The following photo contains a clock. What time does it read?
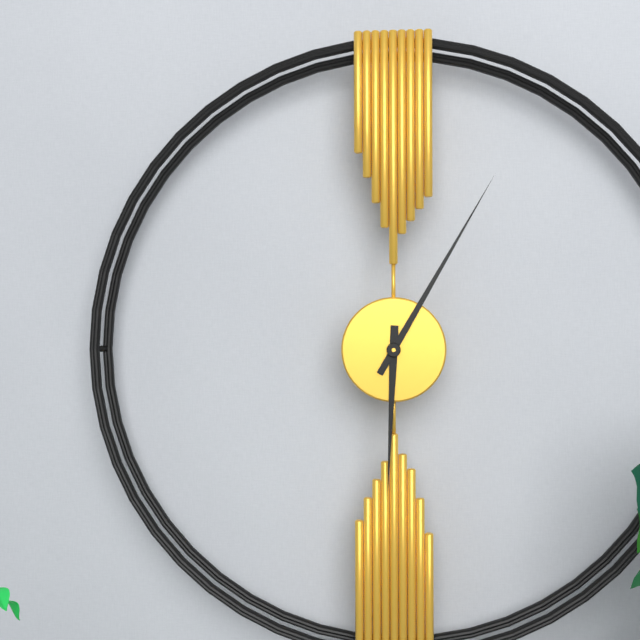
6:05
